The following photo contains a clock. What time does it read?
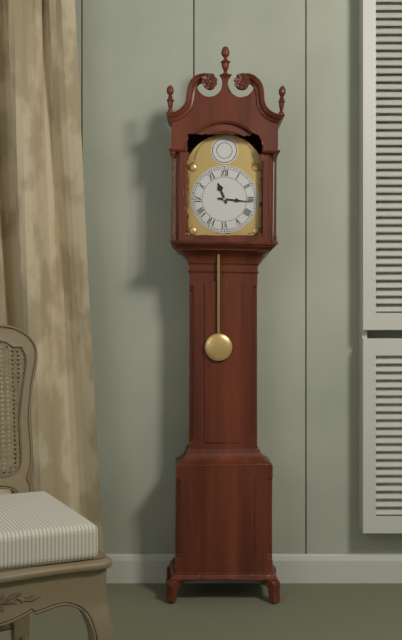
11:16
